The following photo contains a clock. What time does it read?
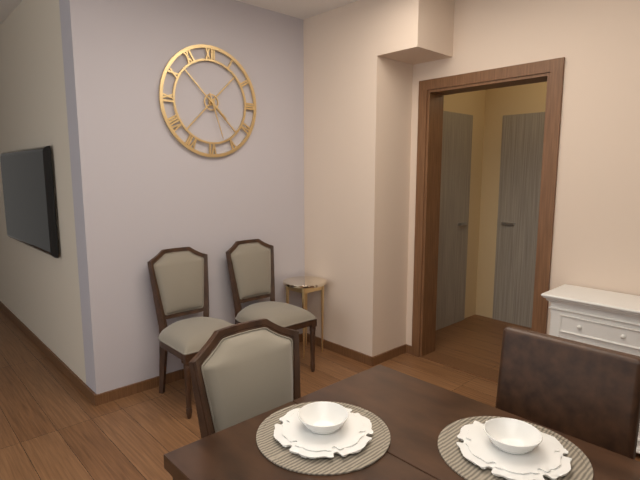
4:27
